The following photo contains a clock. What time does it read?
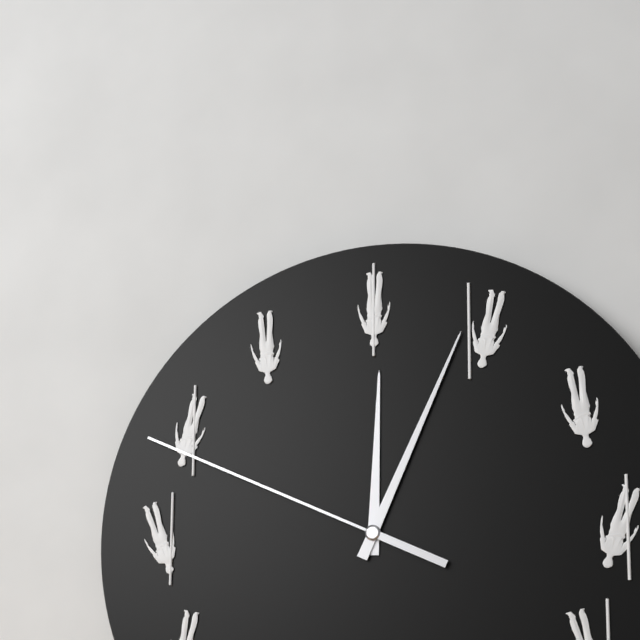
12:04:49
